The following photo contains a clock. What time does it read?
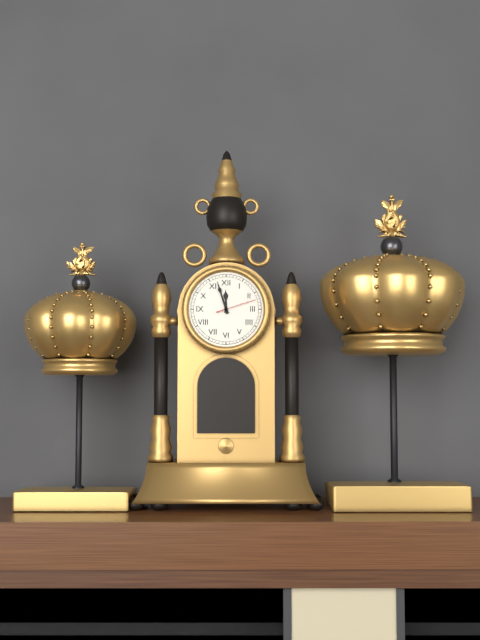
11:57
